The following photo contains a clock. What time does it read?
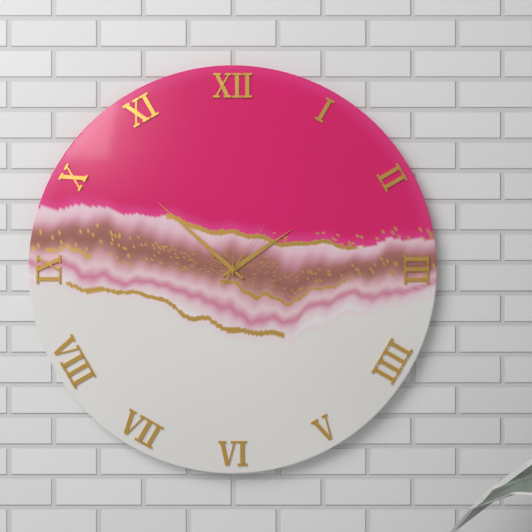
1:52:06
